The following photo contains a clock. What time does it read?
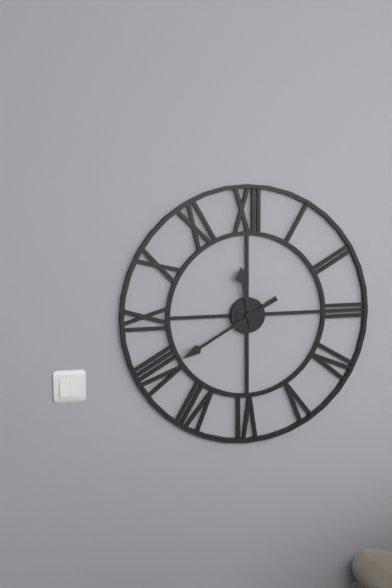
11:40
